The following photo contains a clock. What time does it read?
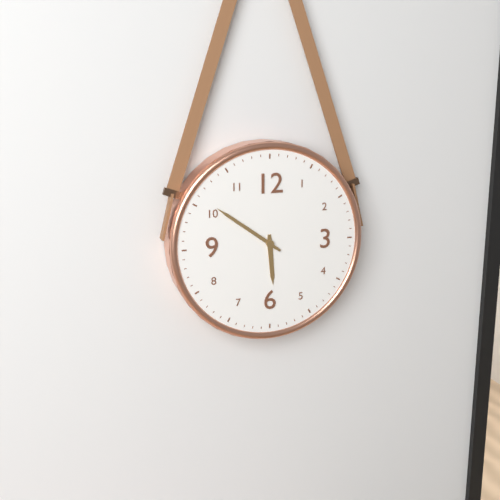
5:51
